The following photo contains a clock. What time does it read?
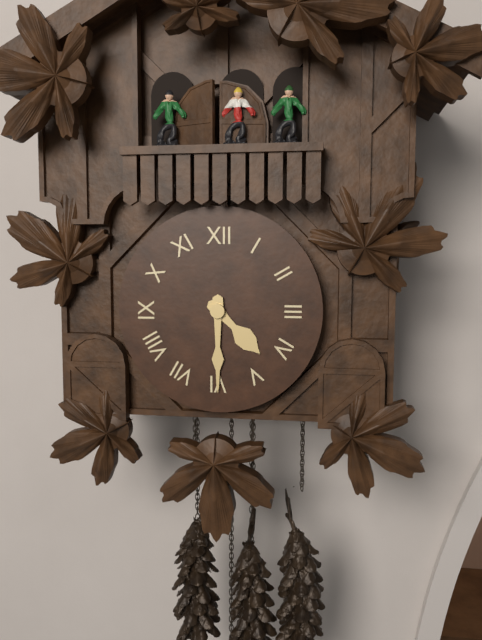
4:30
